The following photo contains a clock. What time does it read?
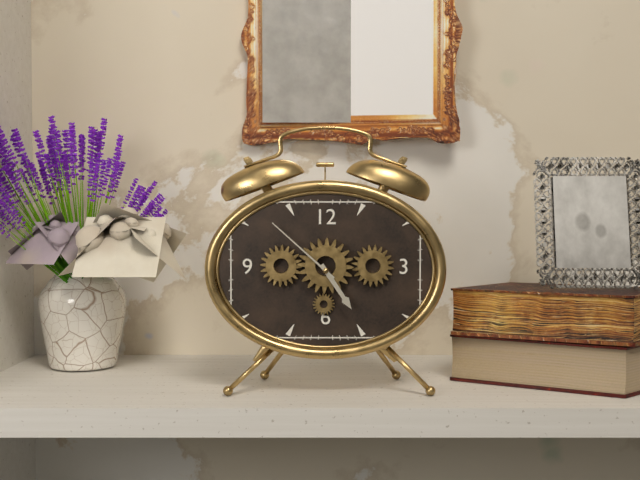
4:52
